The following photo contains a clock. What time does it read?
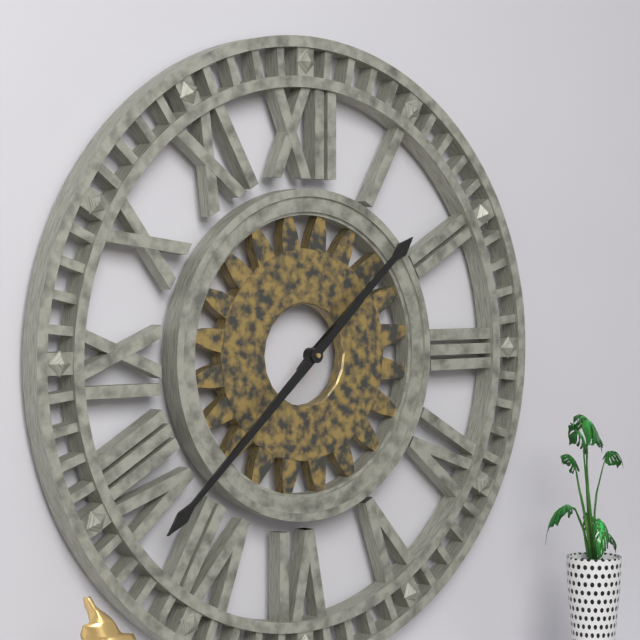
1:38
